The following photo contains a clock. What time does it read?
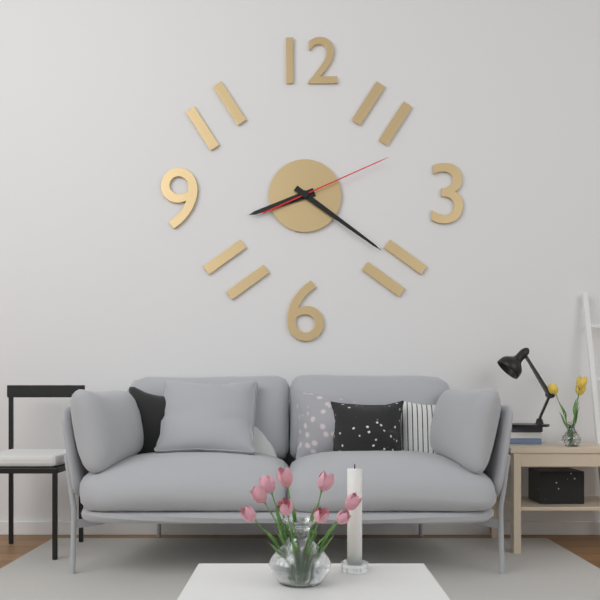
8:21:11
